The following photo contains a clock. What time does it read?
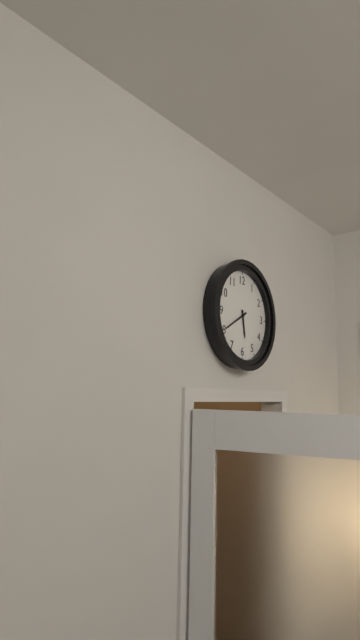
5:40
